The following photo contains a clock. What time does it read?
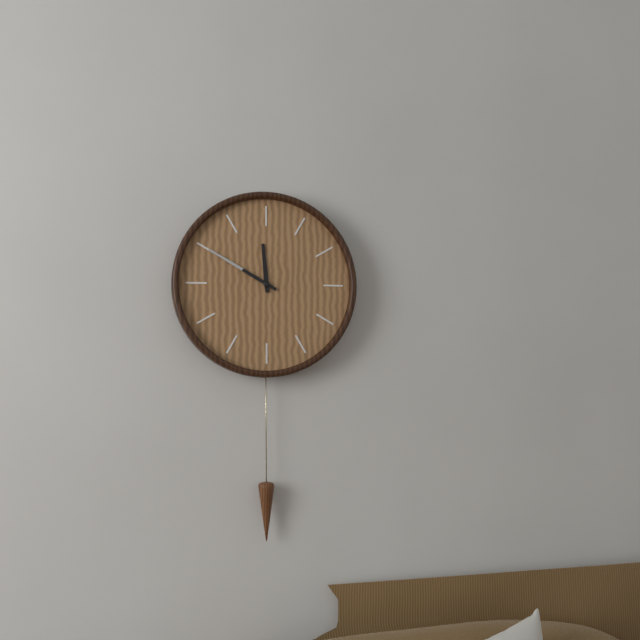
11:50
